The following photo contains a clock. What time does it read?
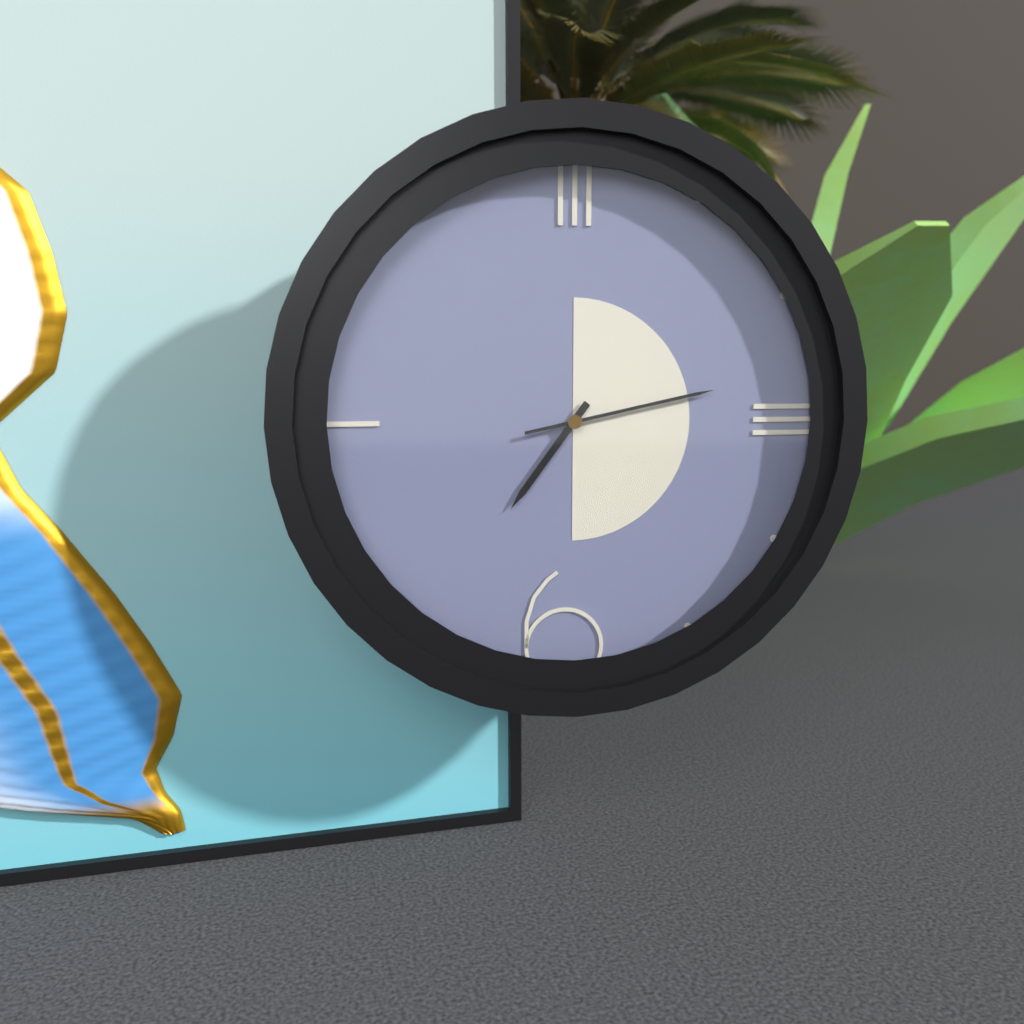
7:13
